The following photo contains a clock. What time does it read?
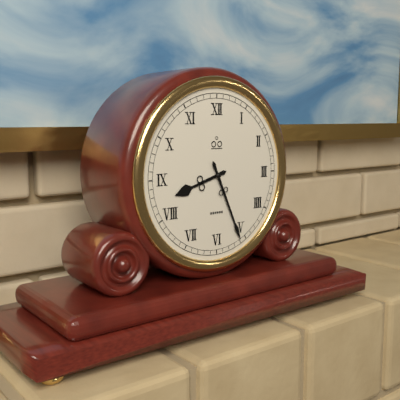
8:26
